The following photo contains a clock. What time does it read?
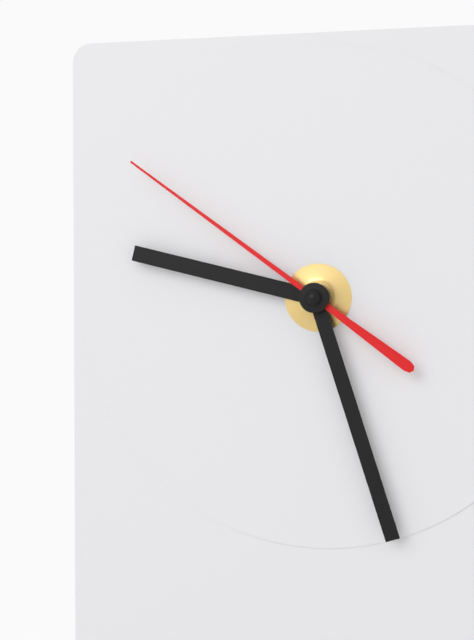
9:27:51
